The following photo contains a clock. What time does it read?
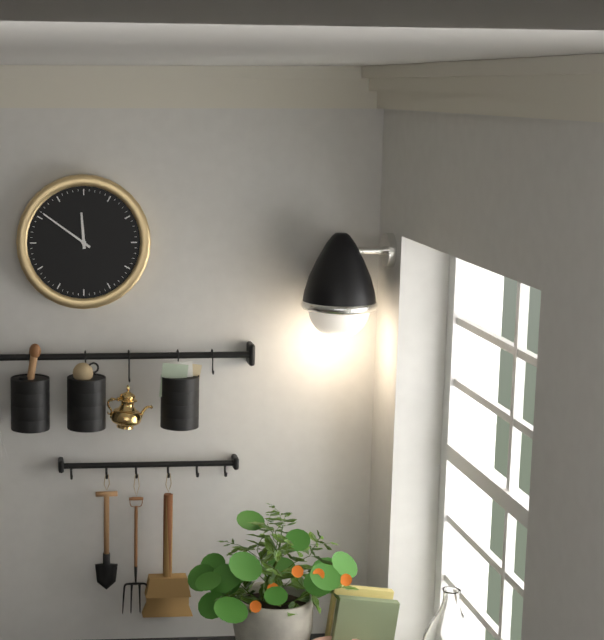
11:51
